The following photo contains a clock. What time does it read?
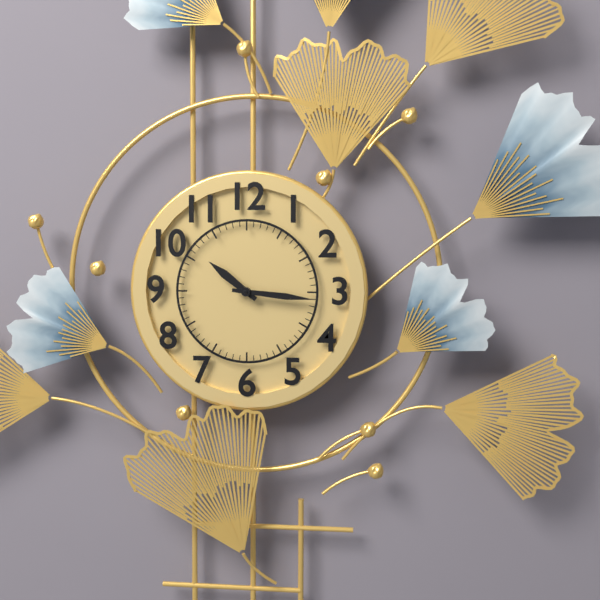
10:16
